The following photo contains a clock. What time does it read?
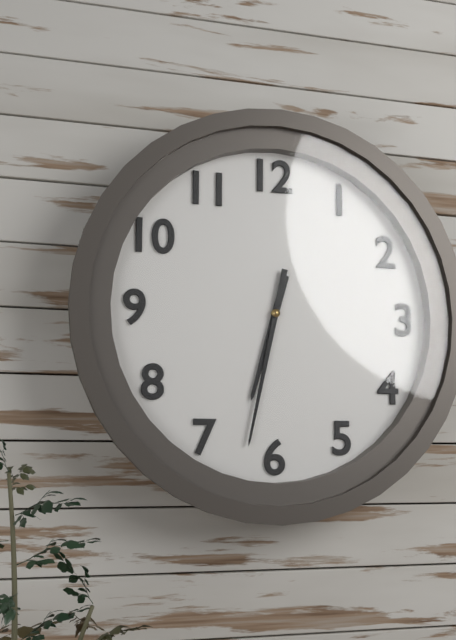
6:32
